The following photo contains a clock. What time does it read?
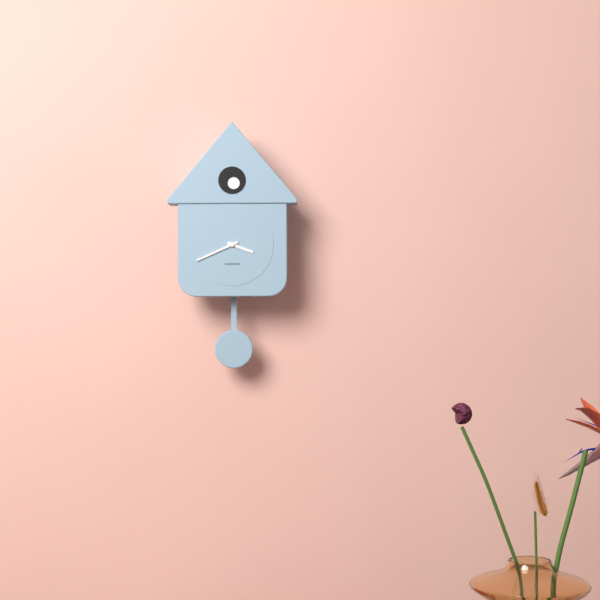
3:41
